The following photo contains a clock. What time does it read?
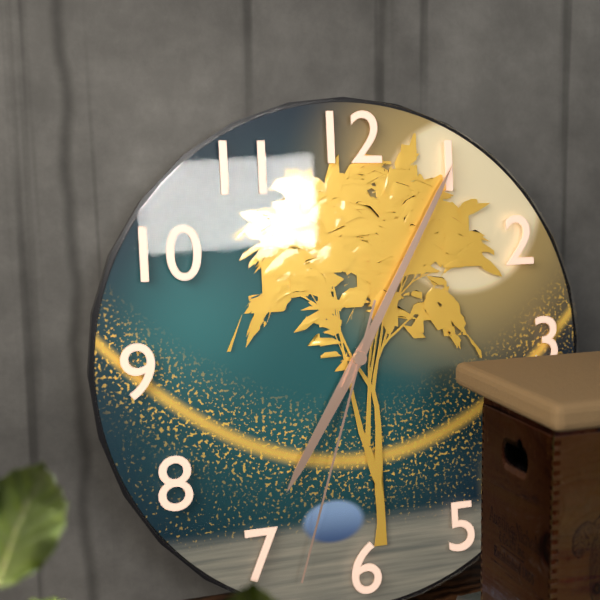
7:05:33
